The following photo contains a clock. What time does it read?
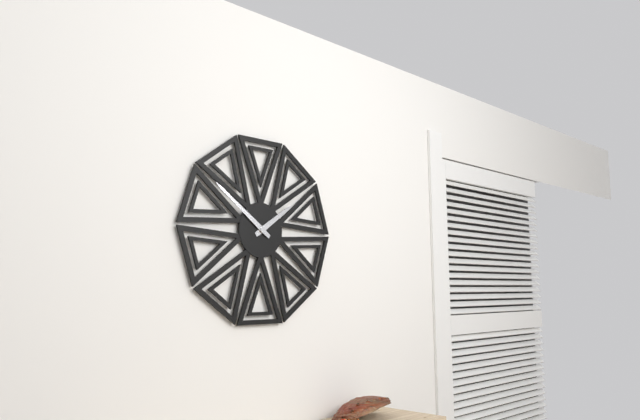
1:51
